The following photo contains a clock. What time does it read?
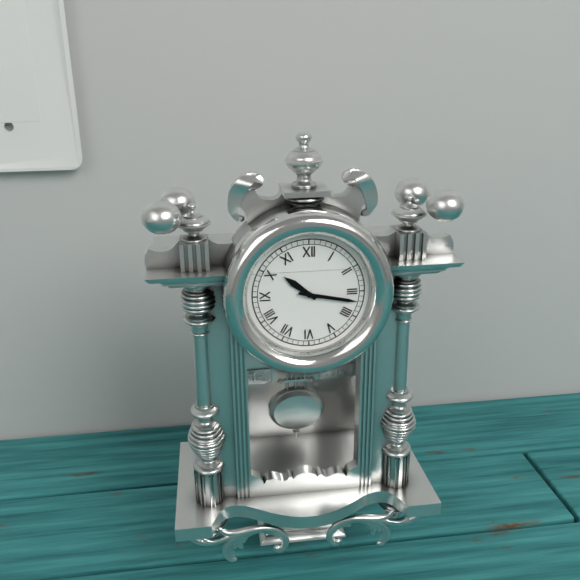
10:17
